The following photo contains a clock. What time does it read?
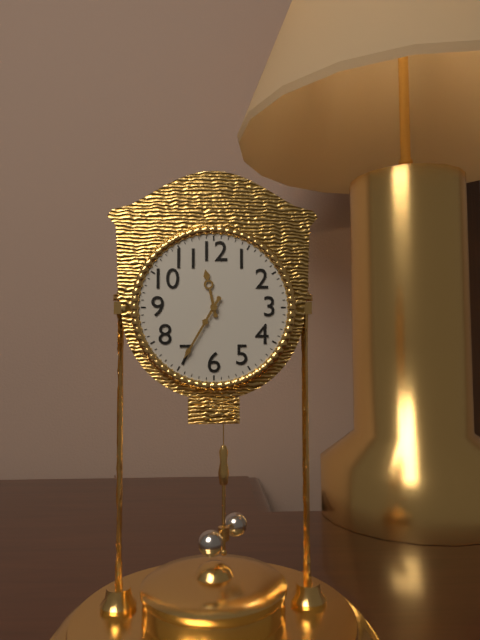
11:35
